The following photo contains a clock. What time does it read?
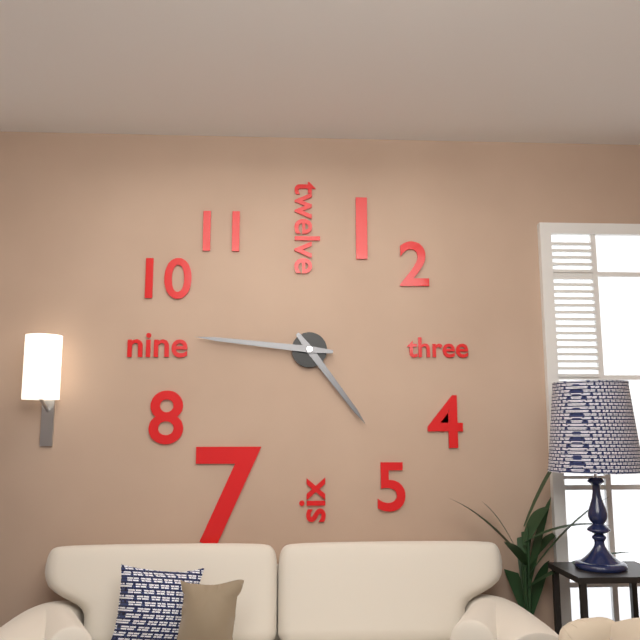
4:46
